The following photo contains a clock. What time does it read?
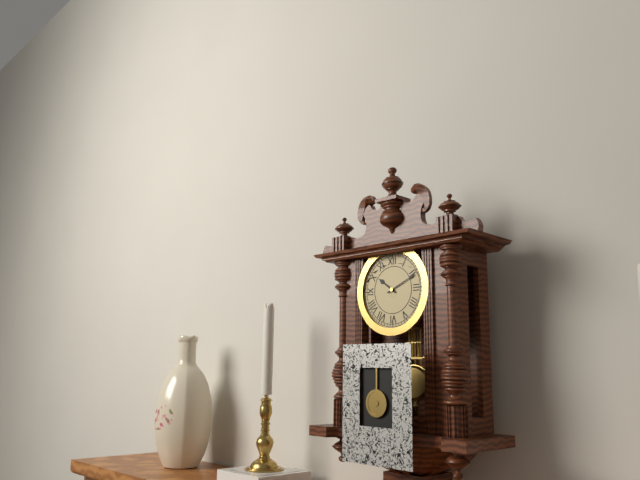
10:11
